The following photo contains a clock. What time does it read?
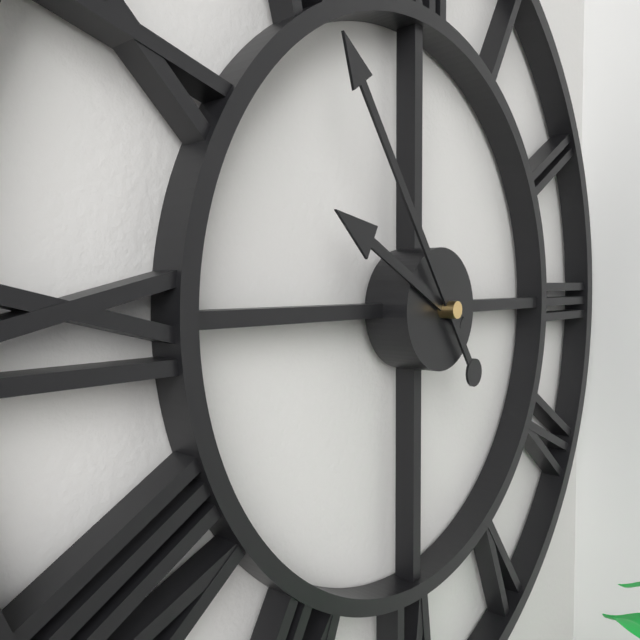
9:54
